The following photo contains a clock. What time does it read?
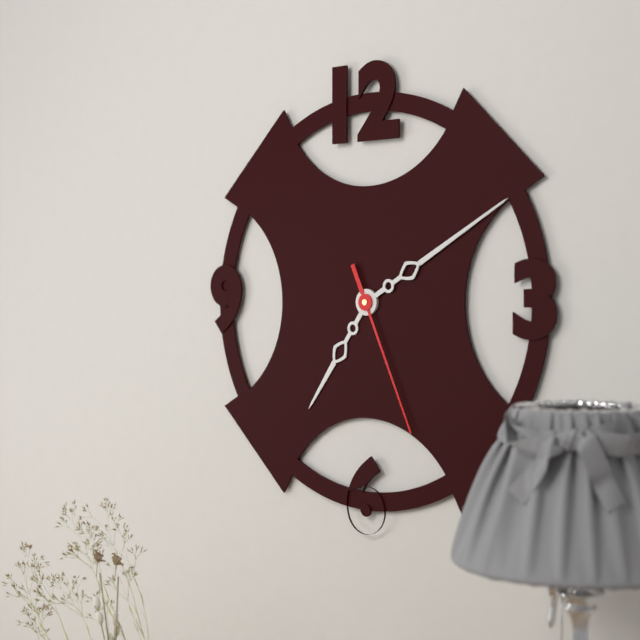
7:10:26
